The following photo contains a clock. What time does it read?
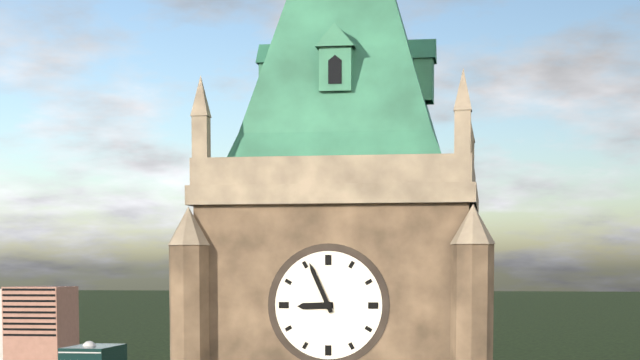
8:56
